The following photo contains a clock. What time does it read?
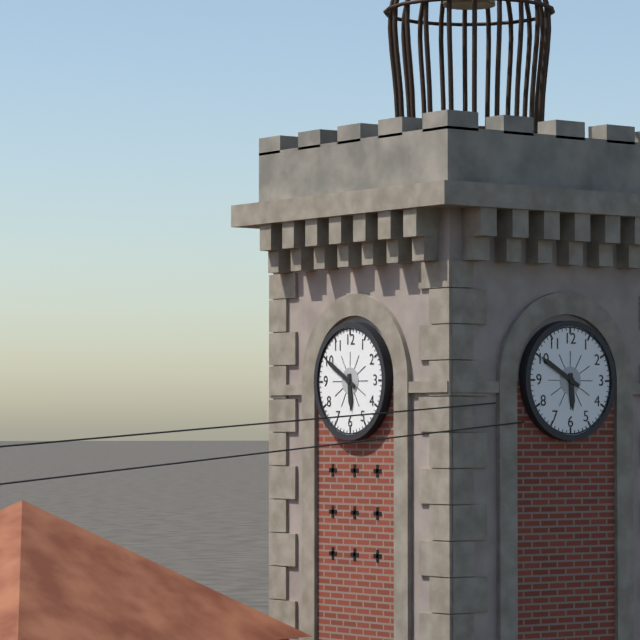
5:50
